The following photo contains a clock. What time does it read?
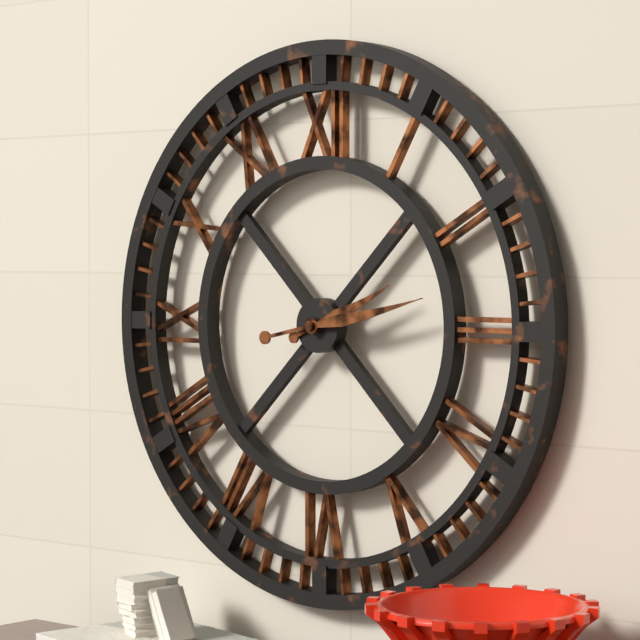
2:13
